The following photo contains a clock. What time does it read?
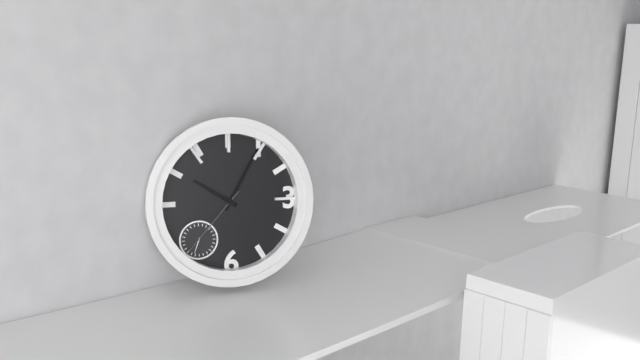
10:05:37
